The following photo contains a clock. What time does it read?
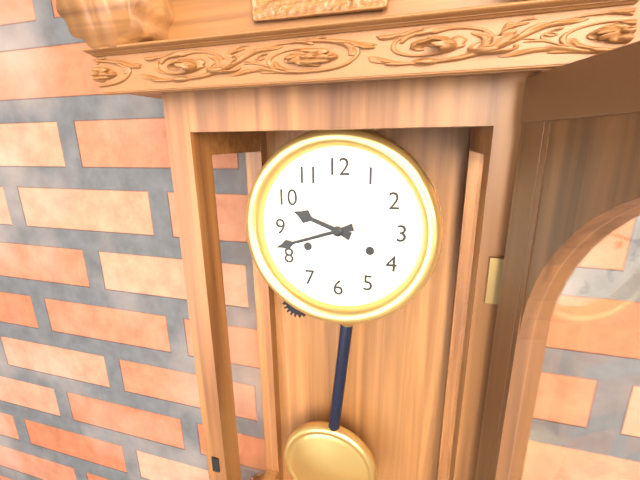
9:42
